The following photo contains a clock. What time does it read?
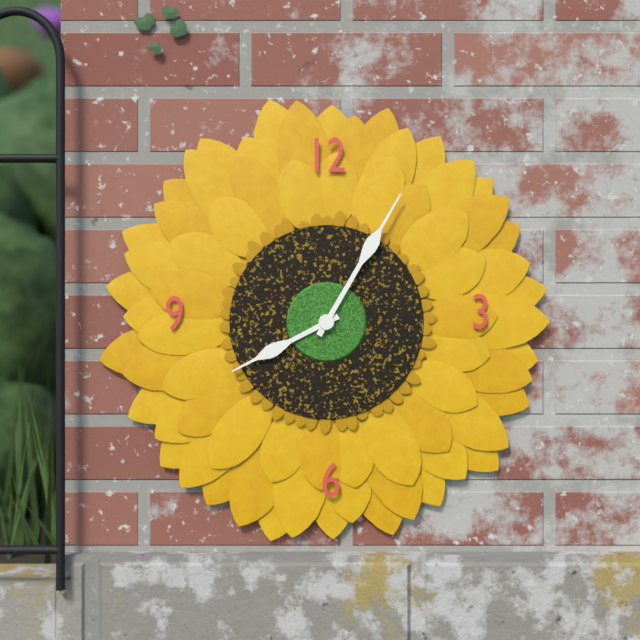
8:05
